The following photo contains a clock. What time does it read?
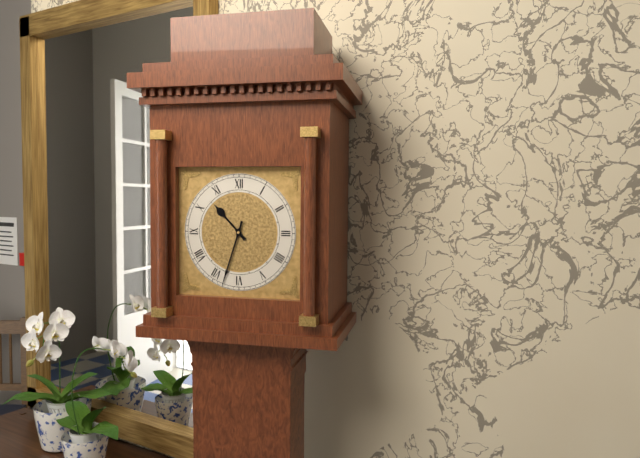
10:33
